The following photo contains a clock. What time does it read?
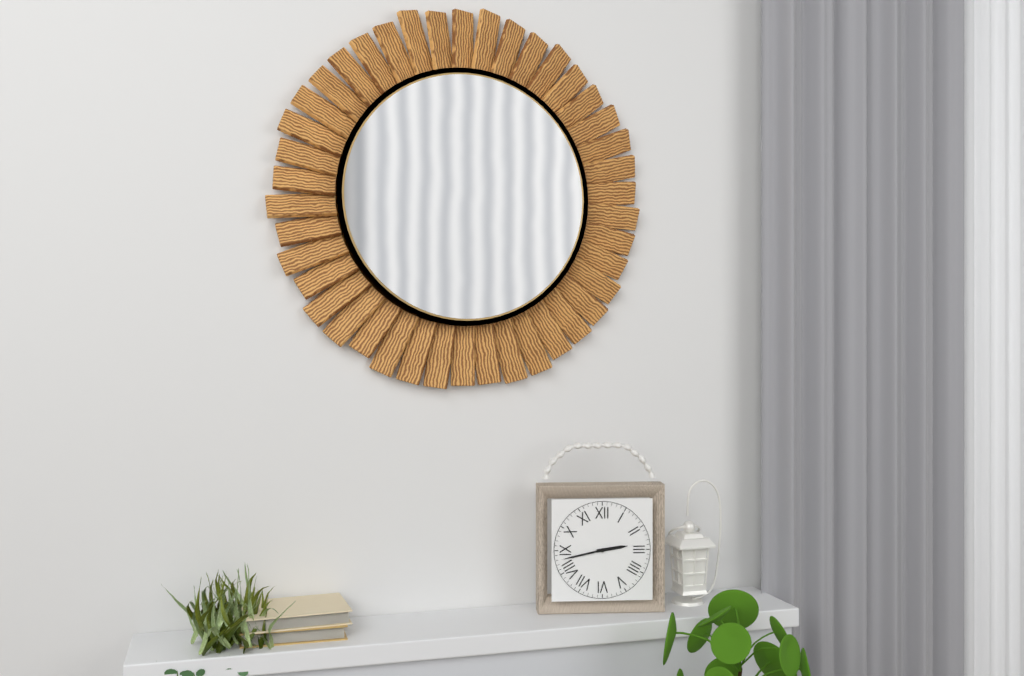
2:43
